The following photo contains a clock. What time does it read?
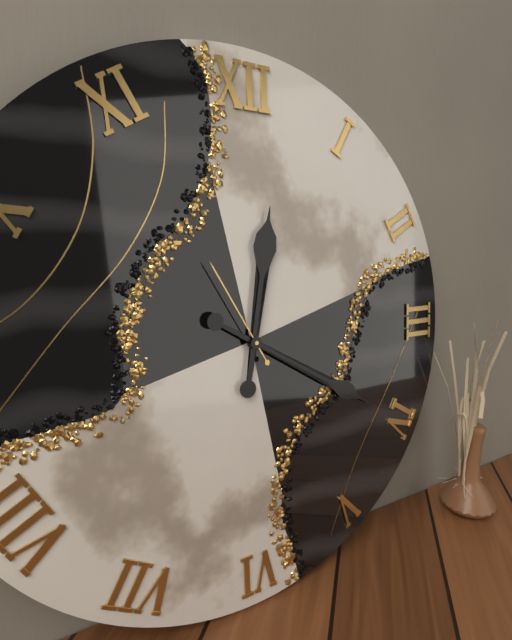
12:20:55
